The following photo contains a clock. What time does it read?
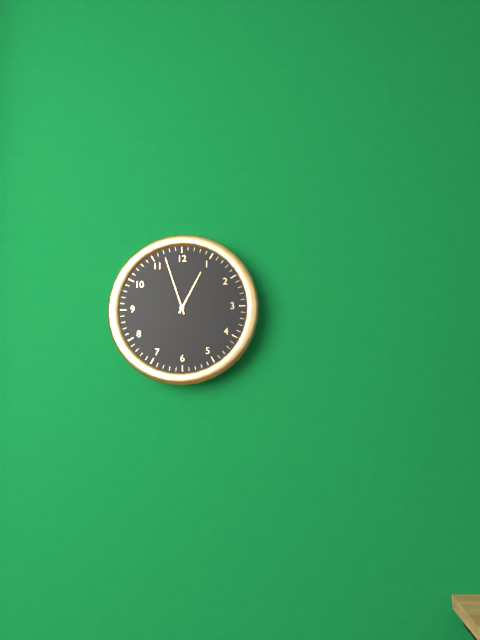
12:57
